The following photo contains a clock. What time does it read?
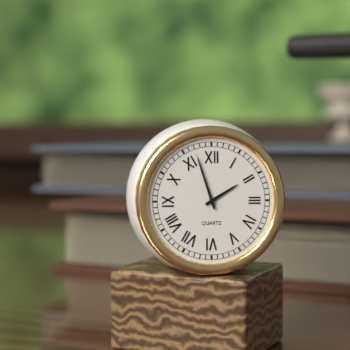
1:57
